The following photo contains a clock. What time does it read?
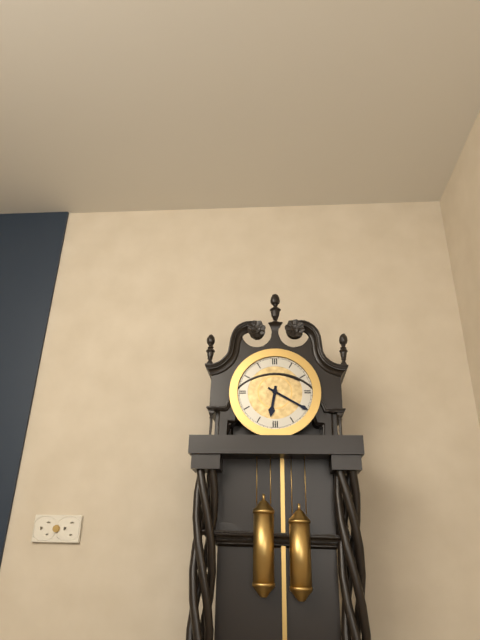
6:20
